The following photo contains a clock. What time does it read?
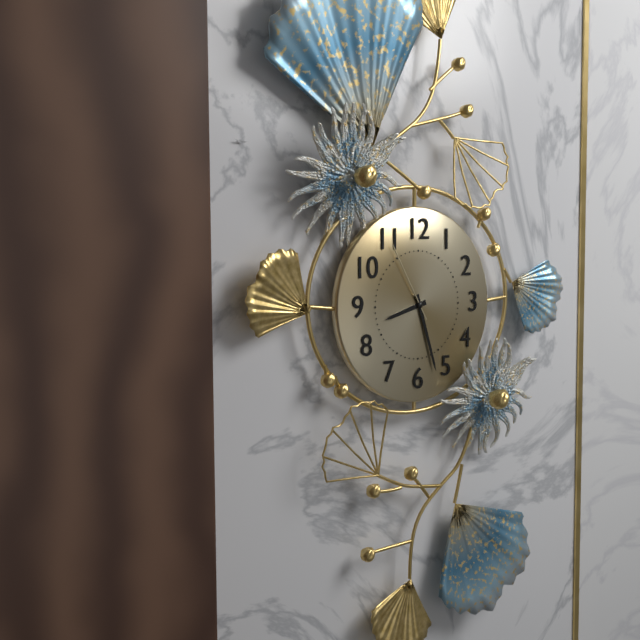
8:27:55
